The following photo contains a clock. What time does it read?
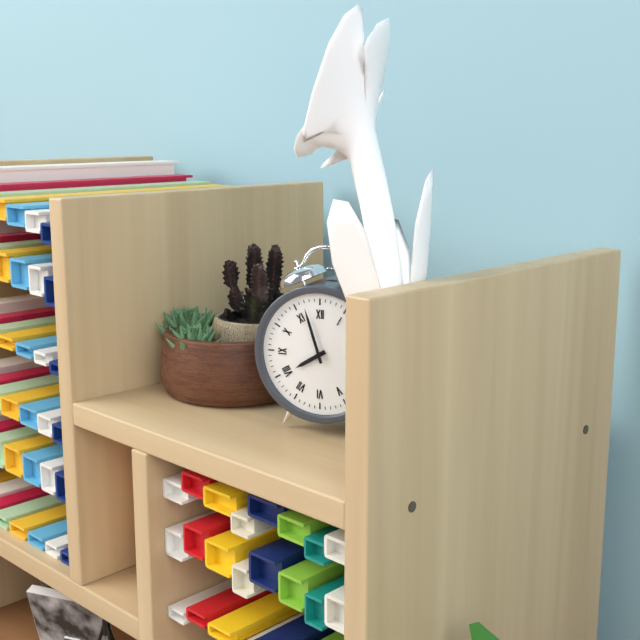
7:57
